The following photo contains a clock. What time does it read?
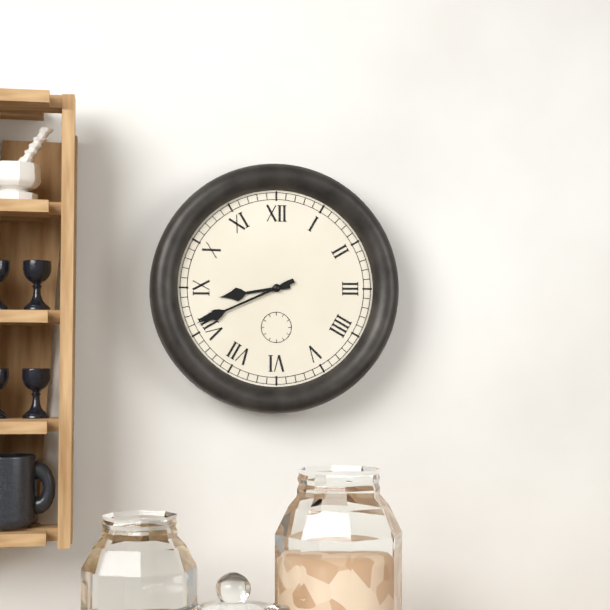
8:41
